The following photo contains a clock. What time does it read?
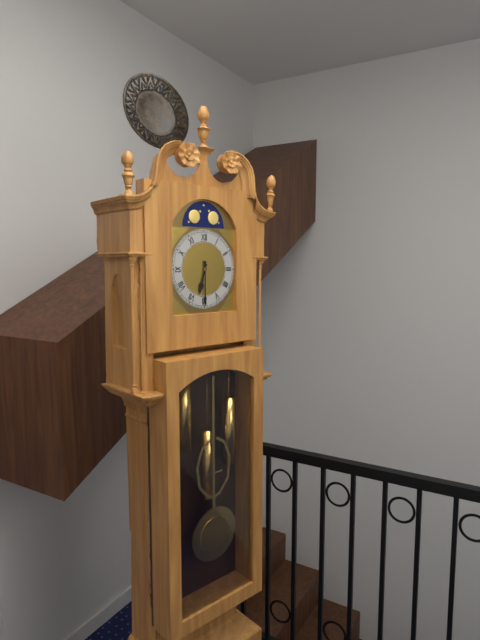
6:30
